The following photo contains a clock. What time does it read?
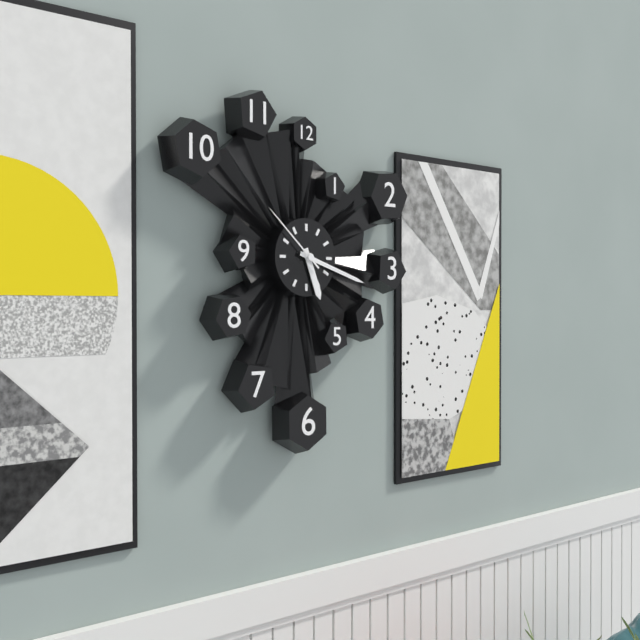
5:18:52
